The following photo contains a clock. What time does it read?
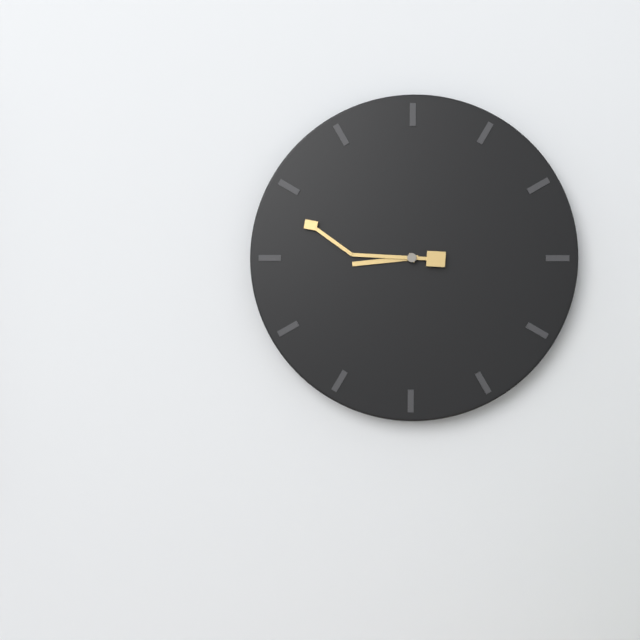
8:48
